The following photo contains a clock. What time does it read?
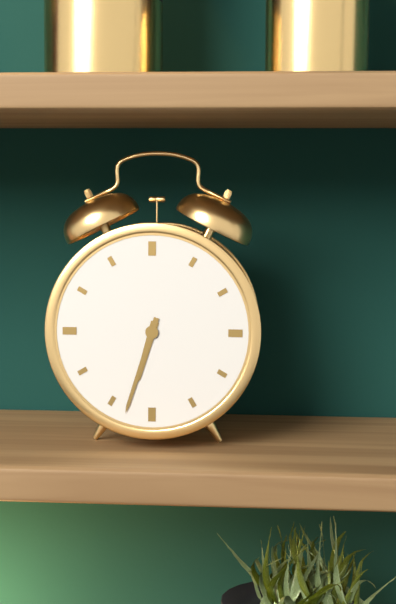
6:33
